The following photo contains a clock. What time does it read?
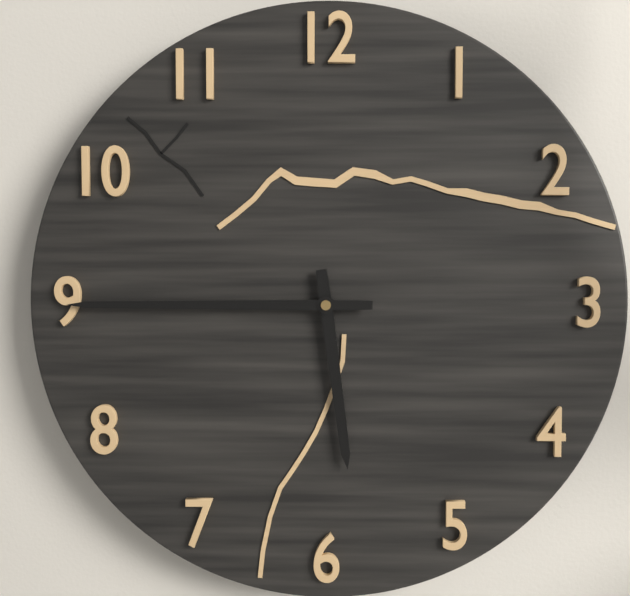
5:45
